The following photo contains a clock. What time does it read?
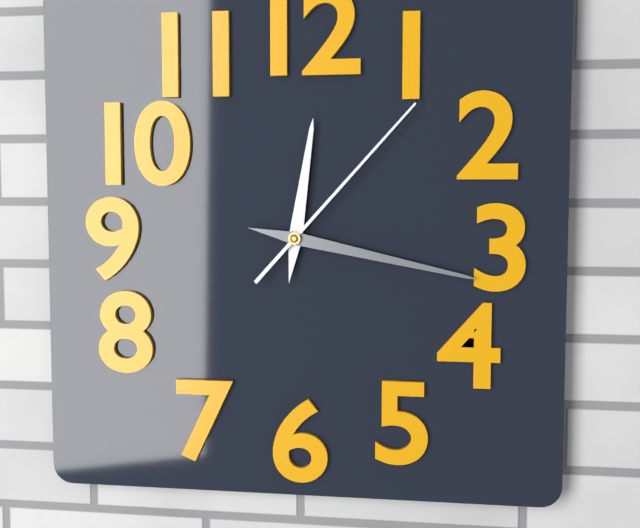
12:17:07
